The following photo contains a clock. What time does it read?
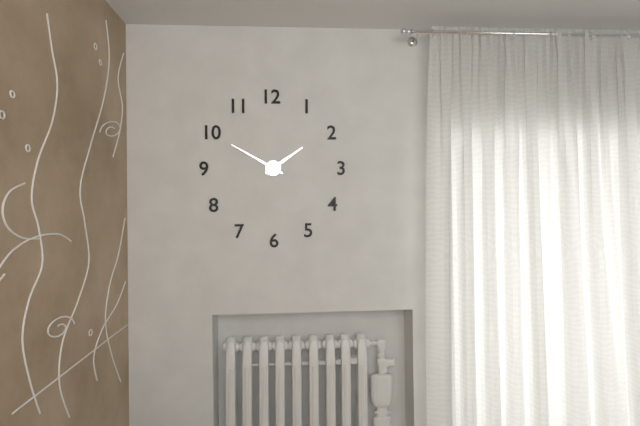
1:50
